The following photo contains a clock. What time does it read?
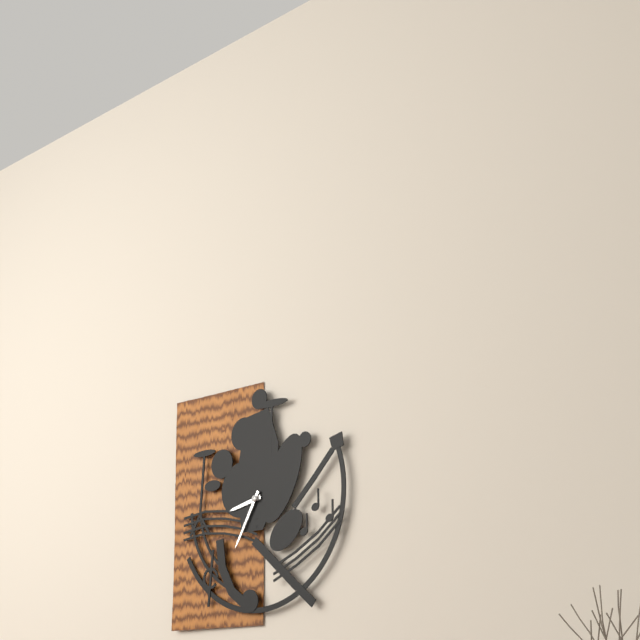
8:35
